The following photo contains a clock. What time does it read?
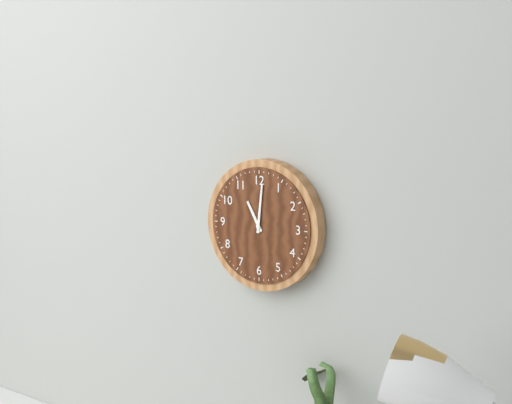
11:01
